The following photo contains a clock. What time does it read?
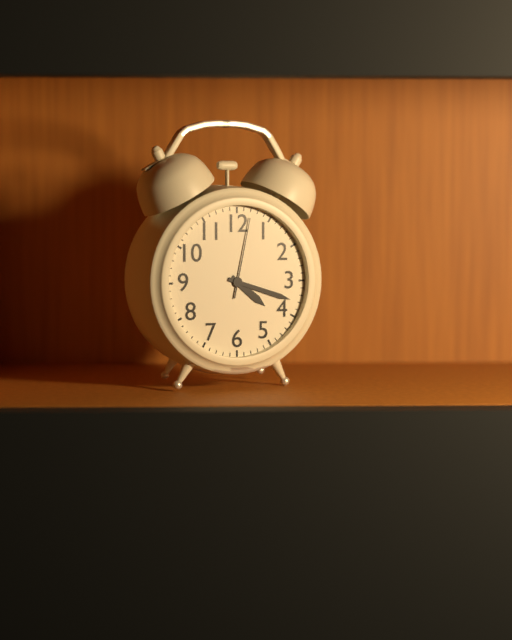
4:18:02
